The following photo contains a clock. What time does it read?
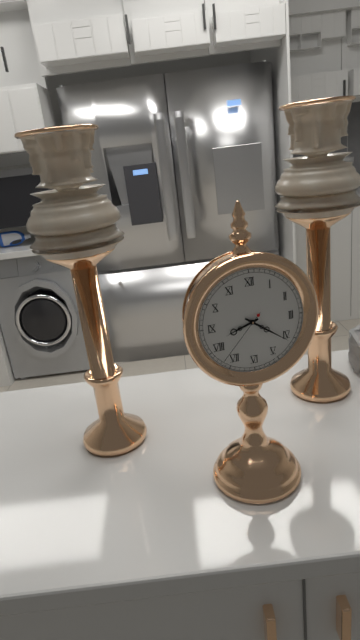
8:21:37
